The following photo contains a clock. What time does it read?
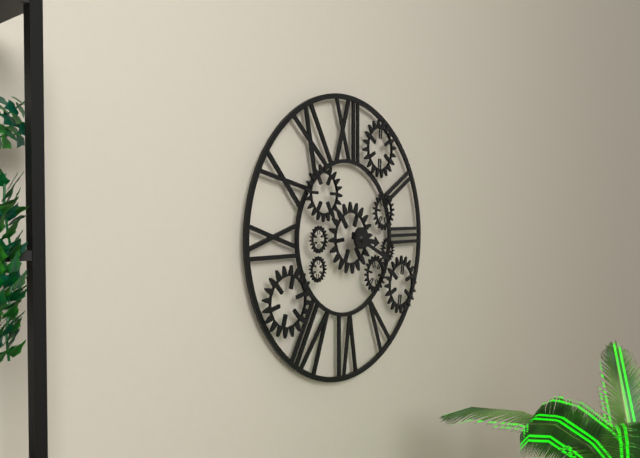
3:19
